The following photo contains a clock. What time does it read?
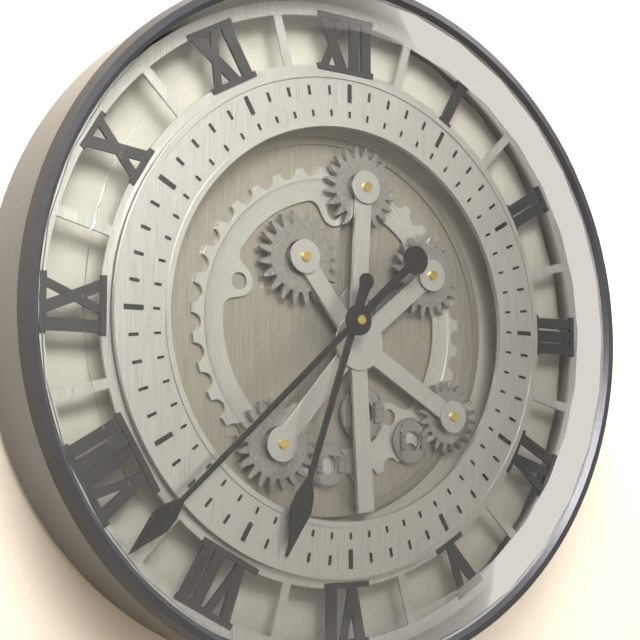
6:38
